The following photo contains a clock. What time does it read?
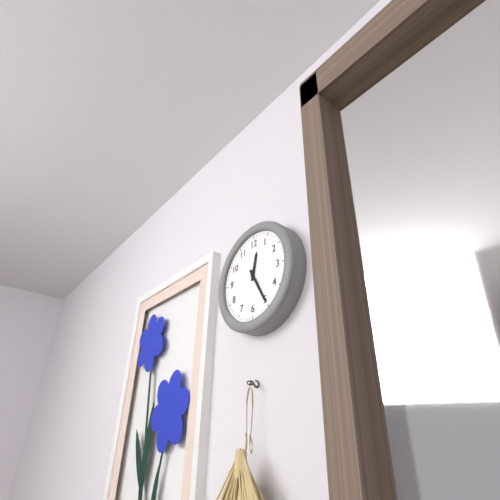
12:25
